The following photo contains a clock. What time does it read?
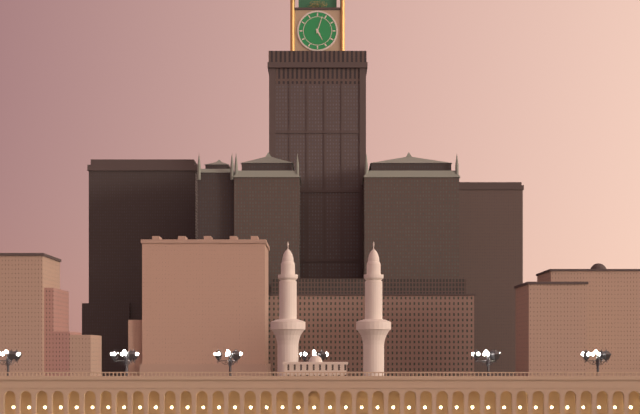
5:03
